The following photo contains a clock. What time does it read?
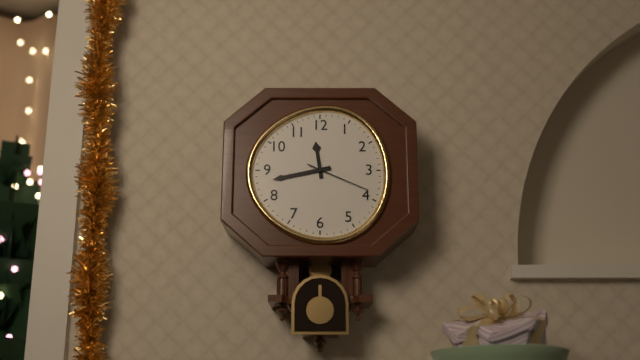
11:43:19
